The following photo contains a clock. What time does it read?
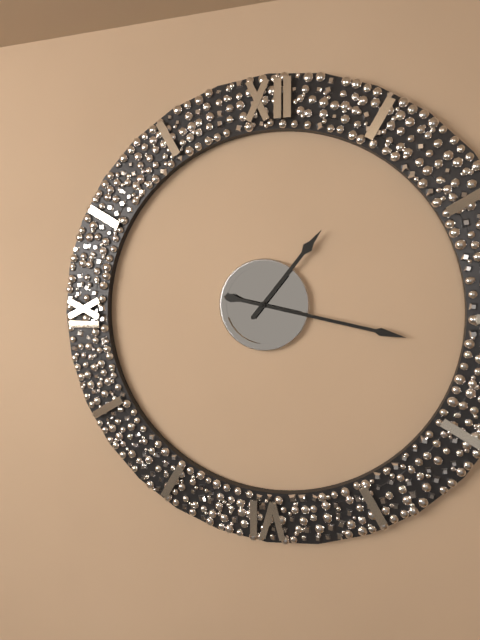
1:17
